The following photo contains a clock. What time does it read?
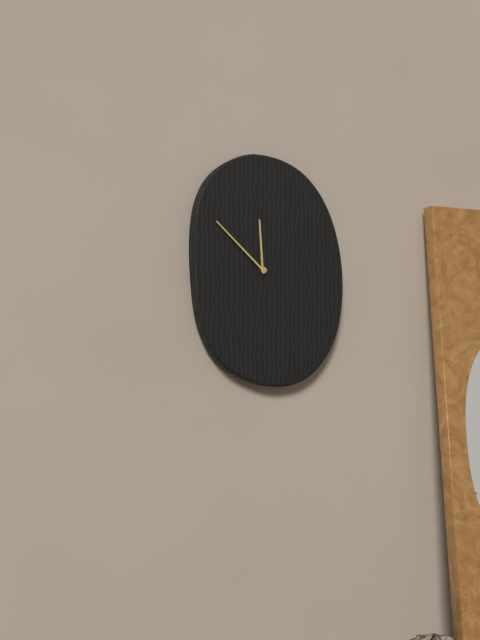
11:52
